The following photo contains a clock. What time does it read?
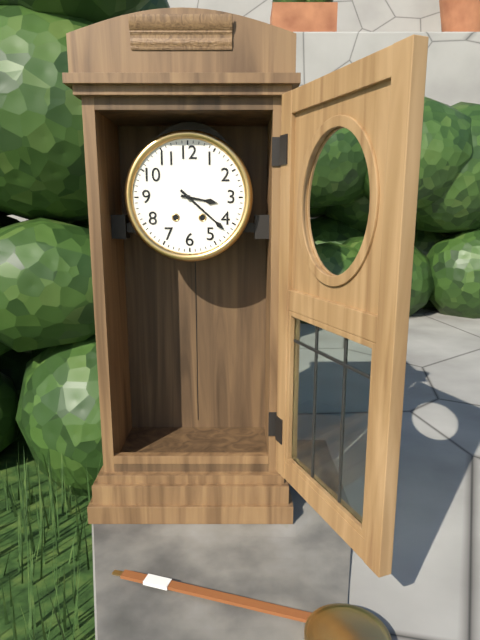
3:22
